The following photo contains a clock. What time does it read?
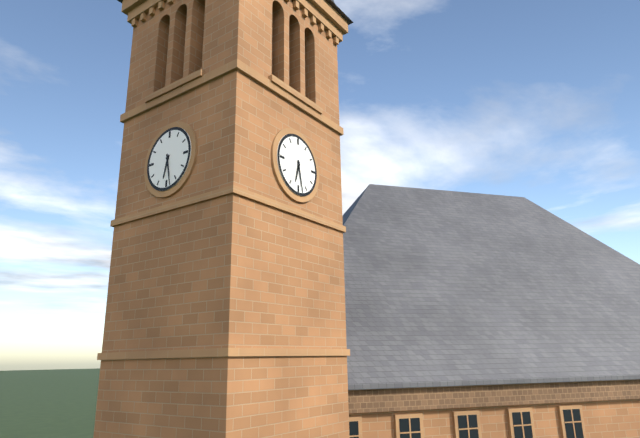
6:28
